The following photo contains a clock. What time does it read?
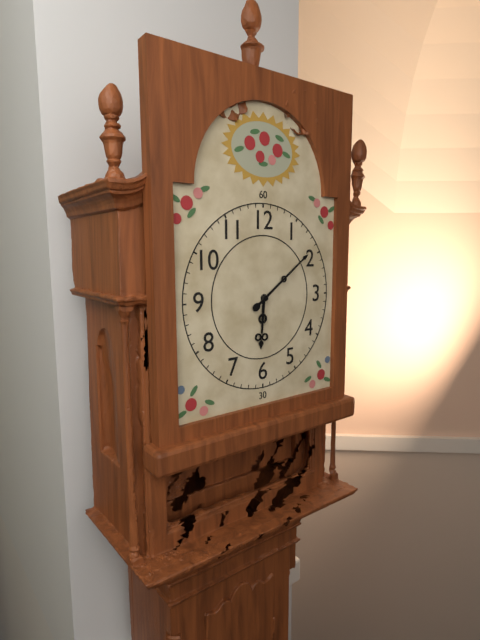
6:09
